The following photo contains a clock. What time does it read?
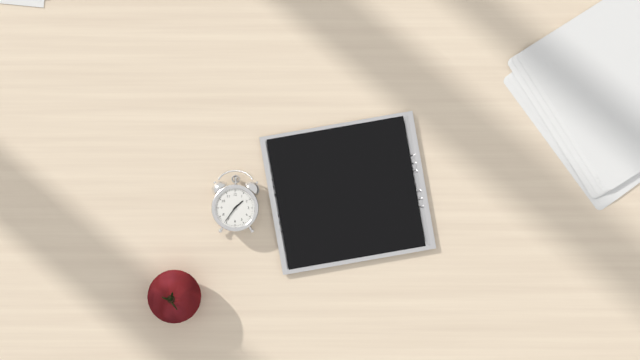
1:36
